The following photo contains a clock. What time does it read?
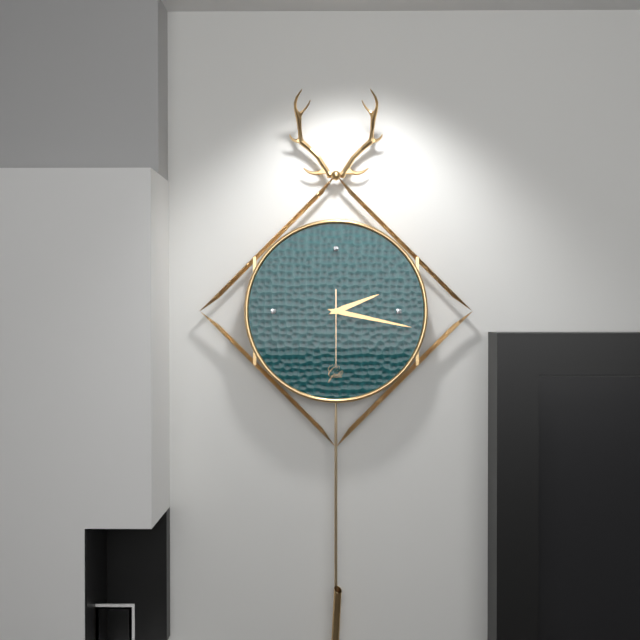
2:17:30
